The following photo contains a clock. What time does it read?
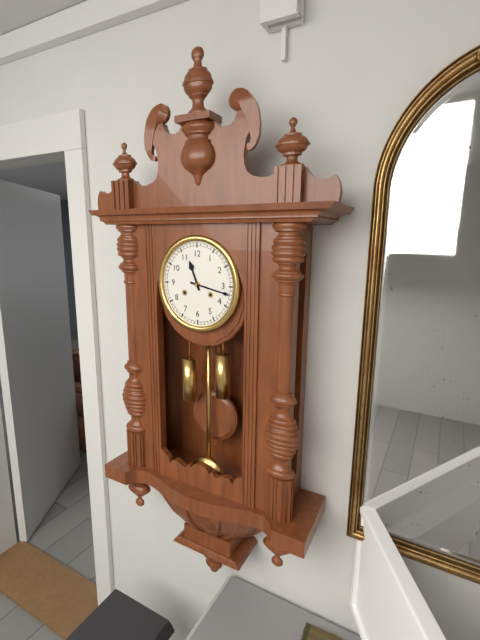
11:17
